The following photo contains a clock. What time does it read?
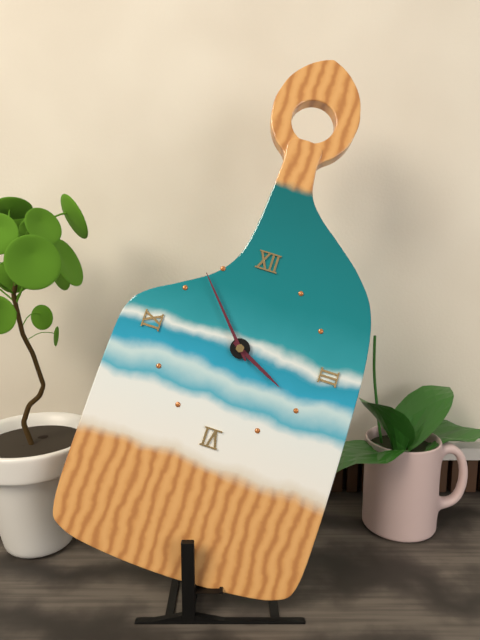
3:53
